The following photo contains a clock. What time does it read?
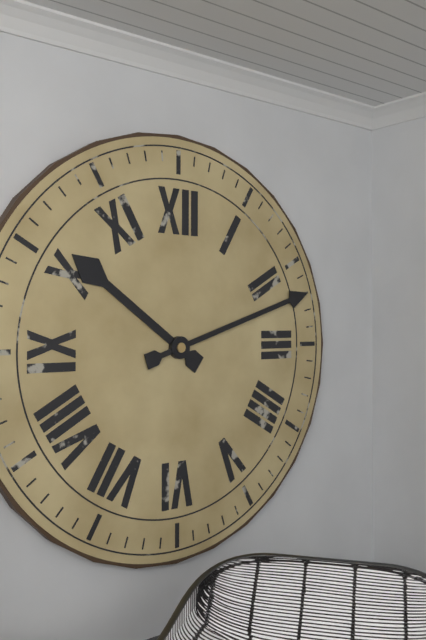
10:12
